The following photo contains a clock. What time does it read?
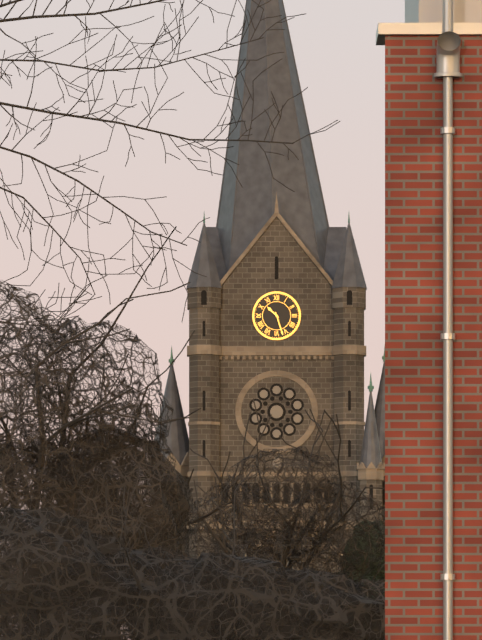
10:27
